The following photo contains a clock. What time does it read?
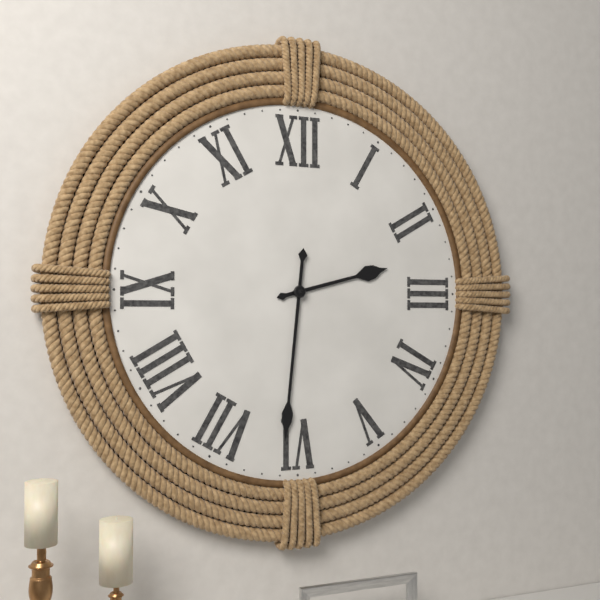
2:31
